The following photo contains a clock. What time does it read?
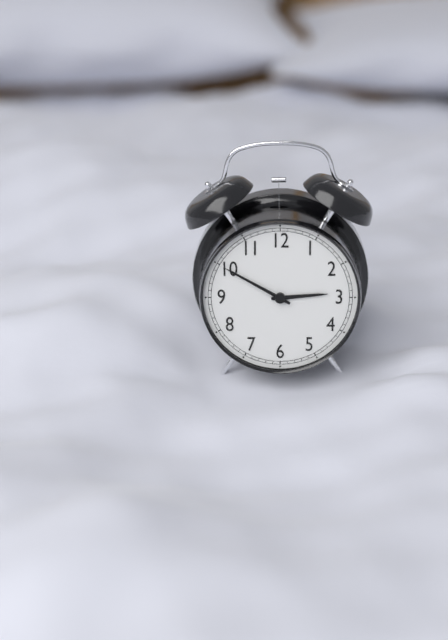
2:50
